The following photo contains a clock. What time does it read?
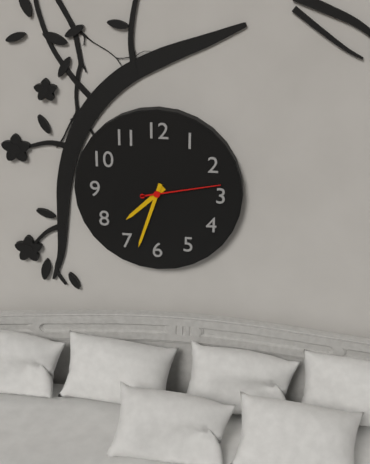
7:33:13
